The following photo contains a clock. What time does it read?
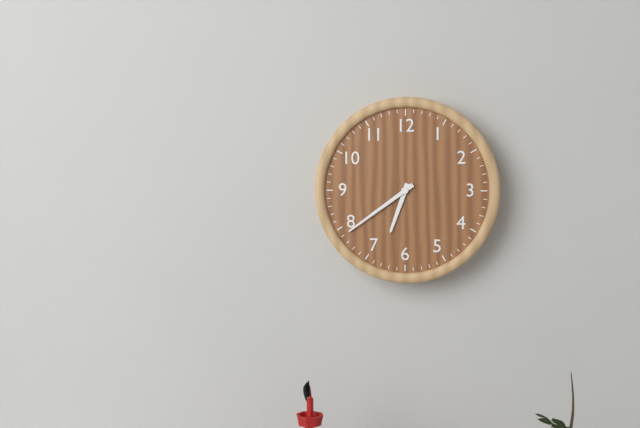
6:39
